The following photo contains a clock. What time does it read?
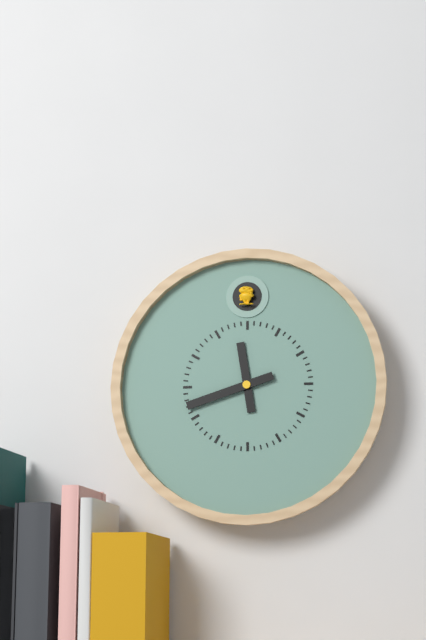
11:42
